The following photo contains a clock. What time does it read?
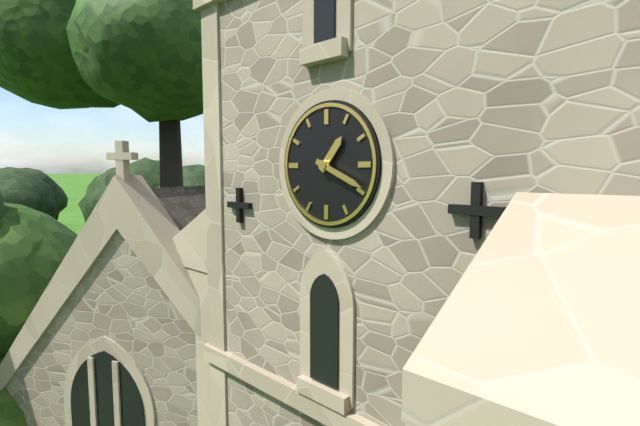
1:19
